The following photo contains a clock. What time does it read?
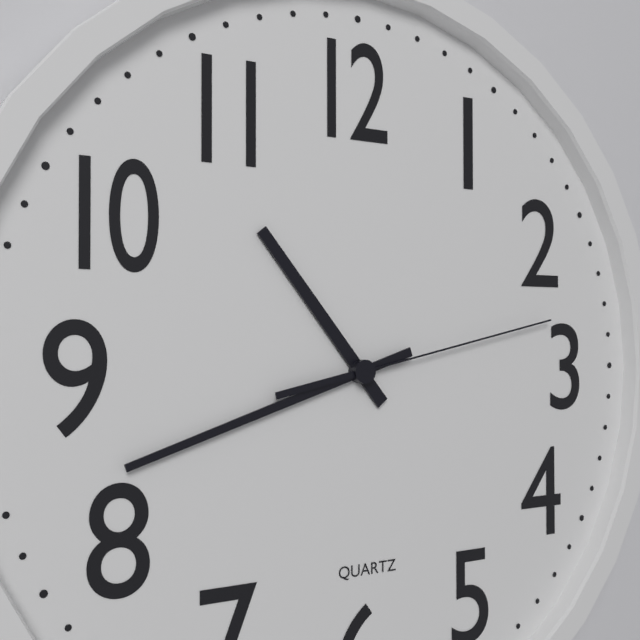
10:42:13
